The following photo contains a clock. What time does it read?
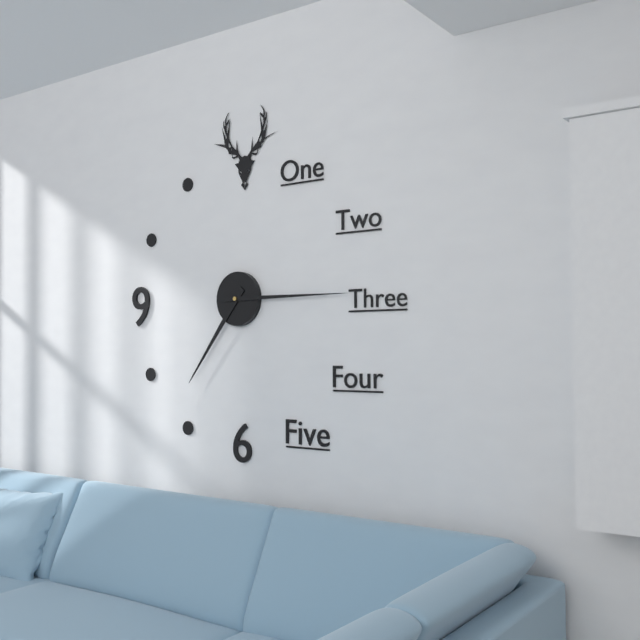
7:15
